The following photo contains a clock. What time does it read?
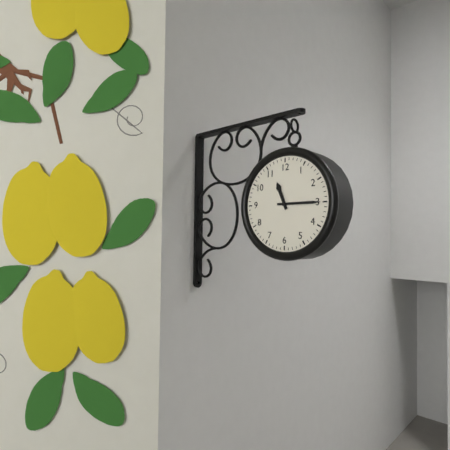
11:15
